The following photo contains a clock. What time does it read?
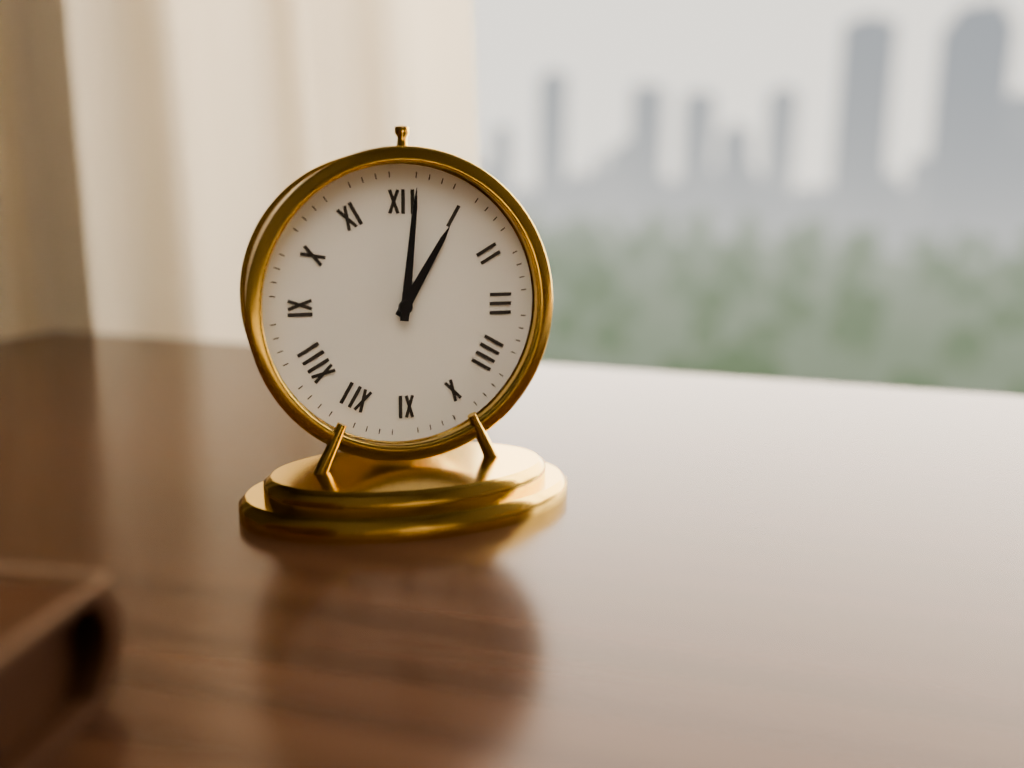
1:01
